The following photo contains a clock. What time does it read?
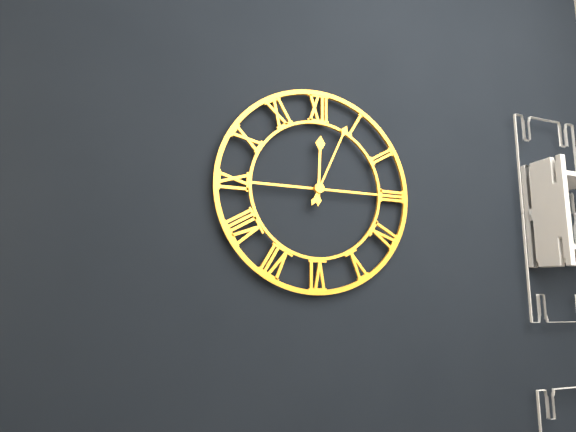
12:04
